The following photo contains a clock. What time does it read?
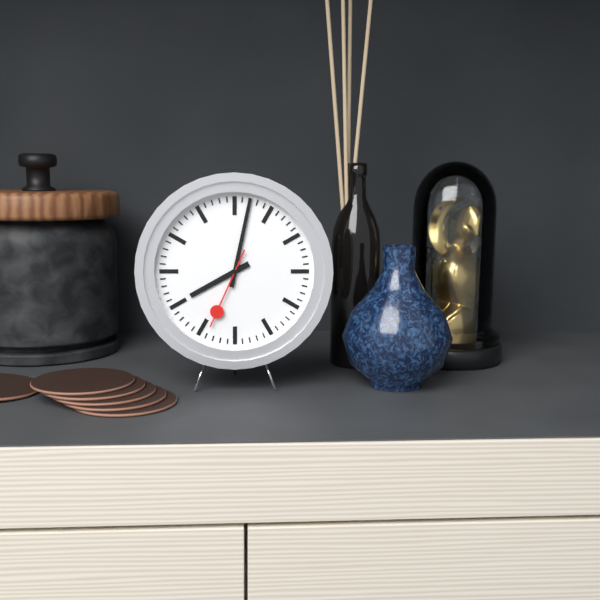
8:02:34
